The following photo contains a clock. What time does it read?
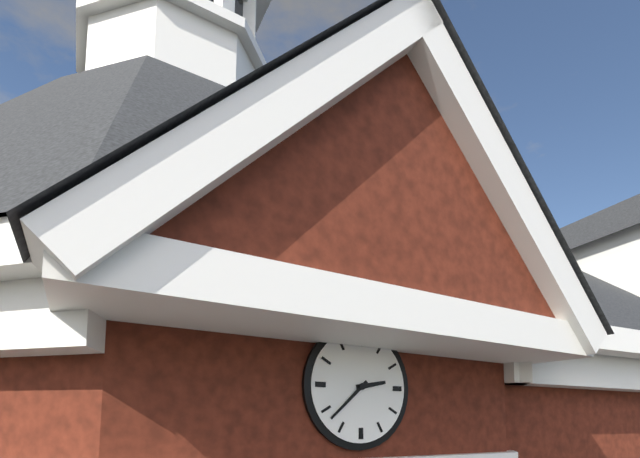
2:38
